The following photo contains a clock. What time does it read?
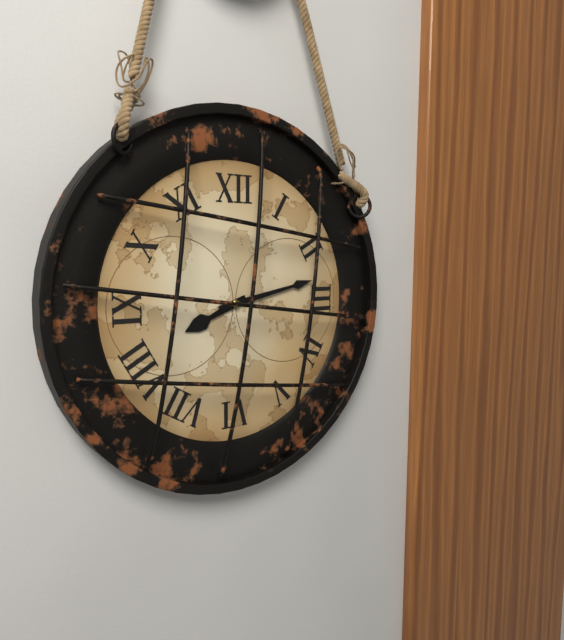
8:13
